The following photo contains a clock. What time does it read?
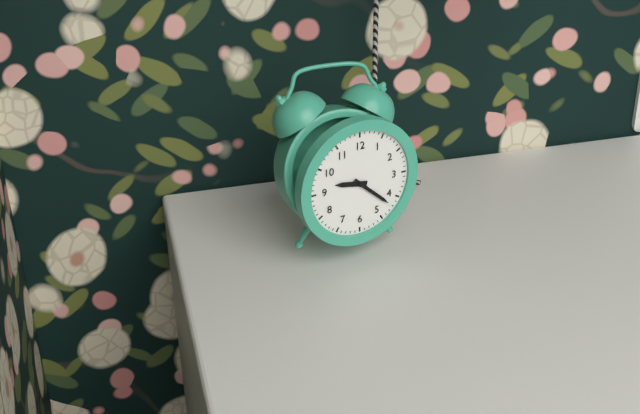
9:22
